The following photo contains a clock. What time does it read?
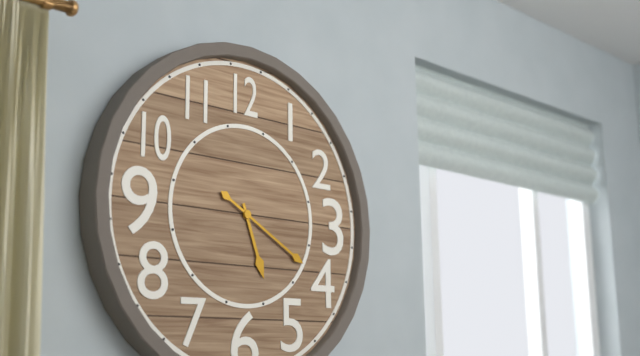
5:20
